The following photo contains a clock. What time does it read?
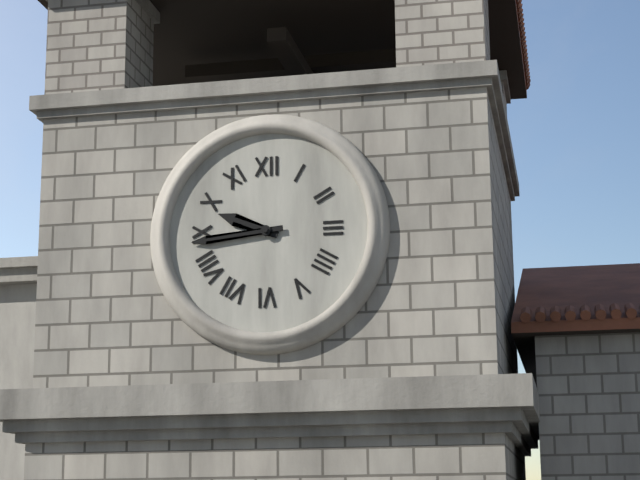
9:44
